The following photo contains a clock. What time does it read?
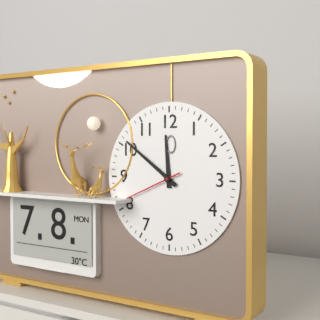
11:51:41
